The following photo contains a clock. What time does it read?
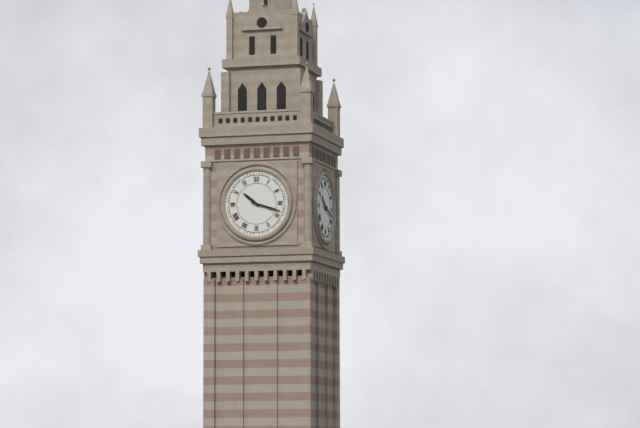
10:18
